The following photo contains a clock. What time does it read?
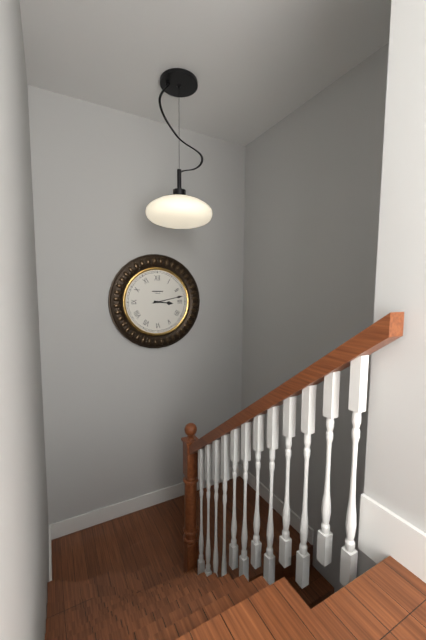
3:13
